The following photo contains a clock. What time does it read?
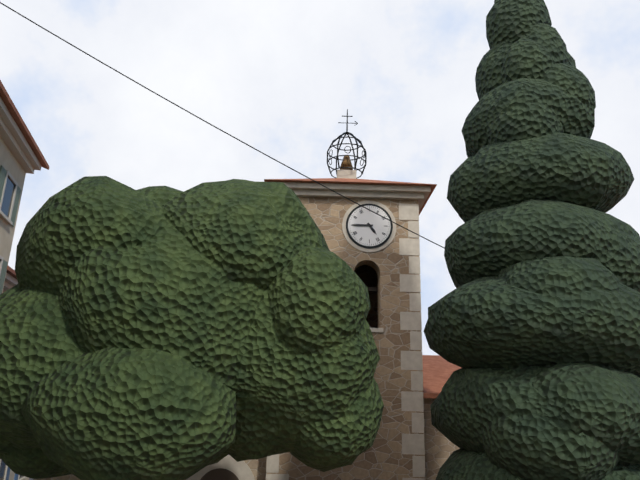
4:45
